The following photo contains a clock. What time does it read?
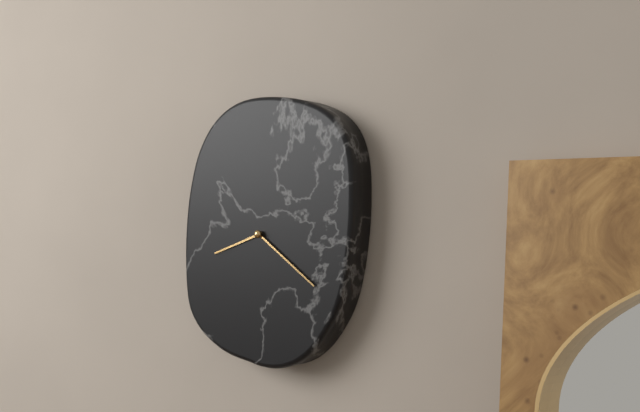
8:21
